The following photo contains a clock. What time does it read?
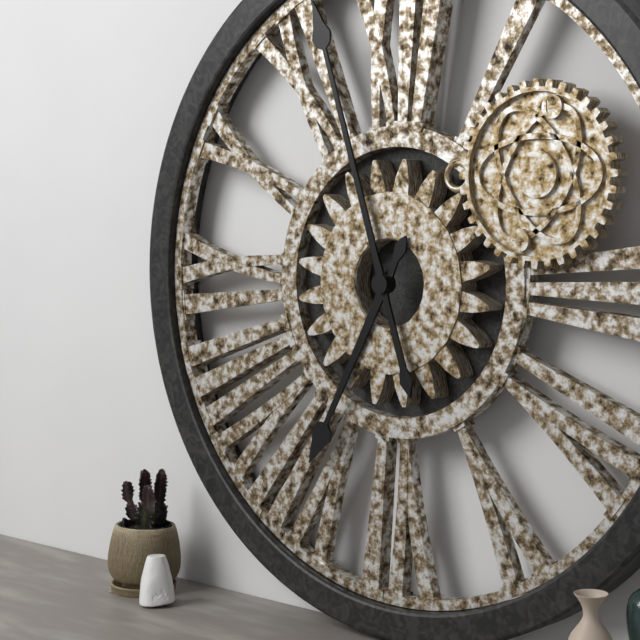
6:57
